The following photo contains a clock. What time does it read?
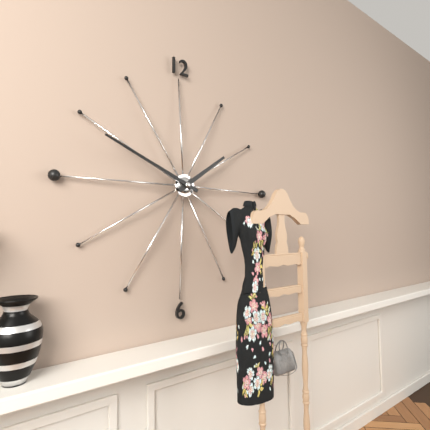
1:49
